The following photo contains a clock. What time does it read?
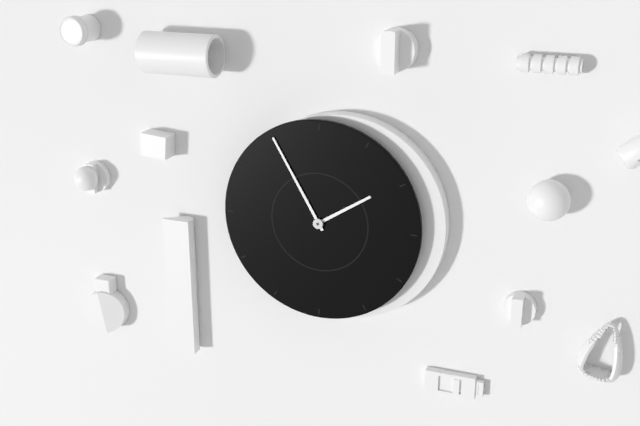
1:55
